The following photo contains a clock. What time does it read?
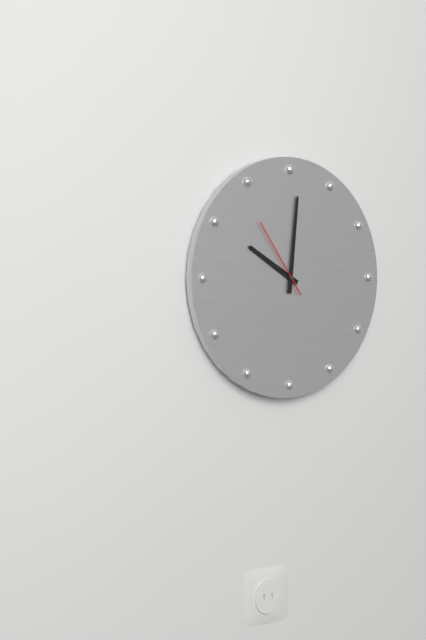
10:01:54
